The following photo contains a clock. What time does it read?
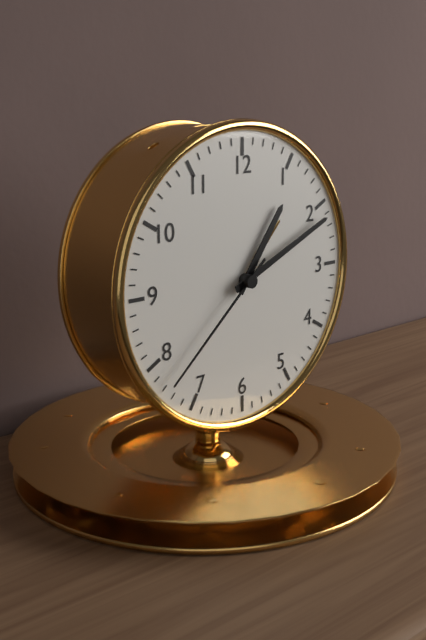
1:11:38
